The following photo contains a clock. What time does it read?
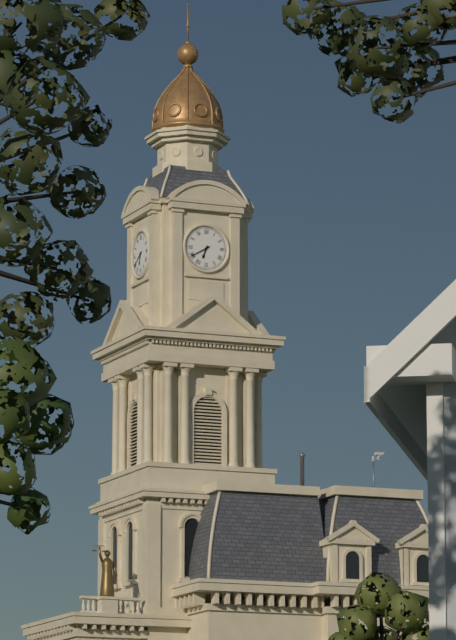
6:40
